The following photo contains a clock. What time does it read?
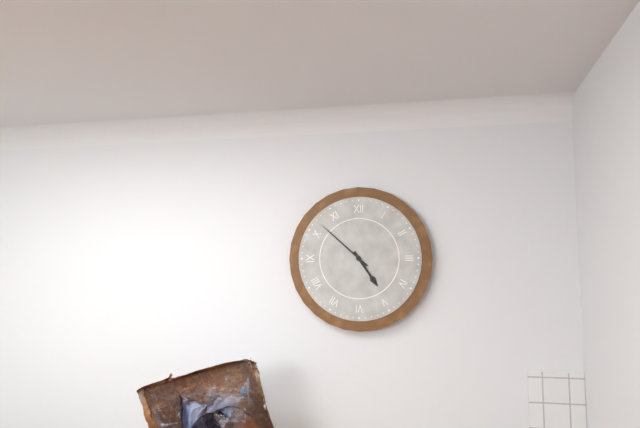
4:52
